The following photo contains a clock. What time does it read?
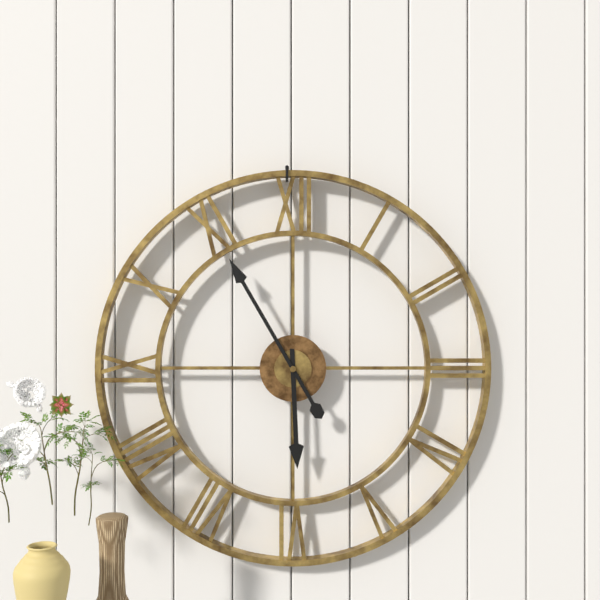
5:55
